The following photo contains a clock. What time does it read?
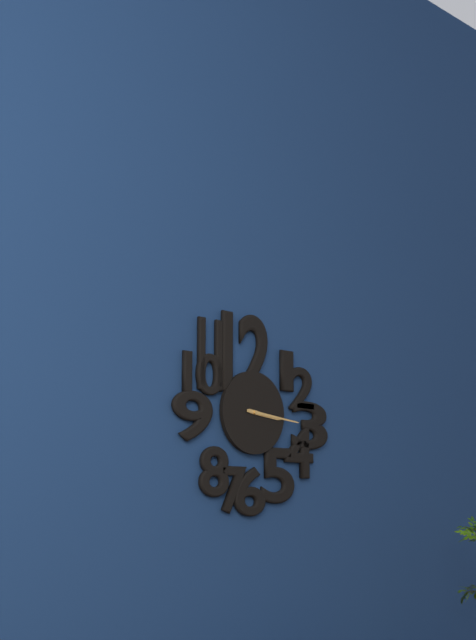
3:16
